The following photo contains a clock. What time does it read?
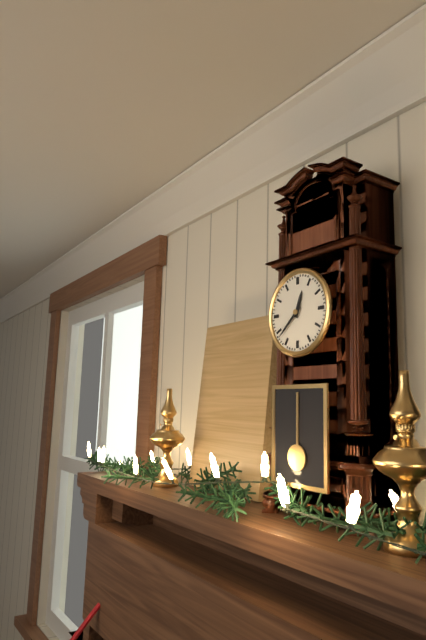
12:38
